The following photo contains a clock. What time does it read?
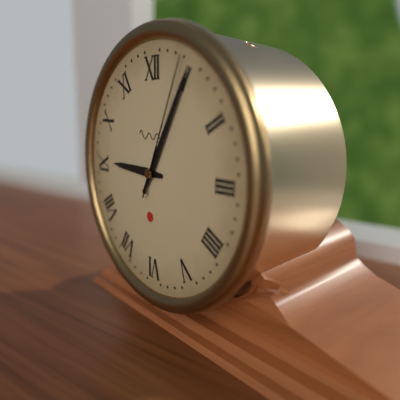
9:05:04
